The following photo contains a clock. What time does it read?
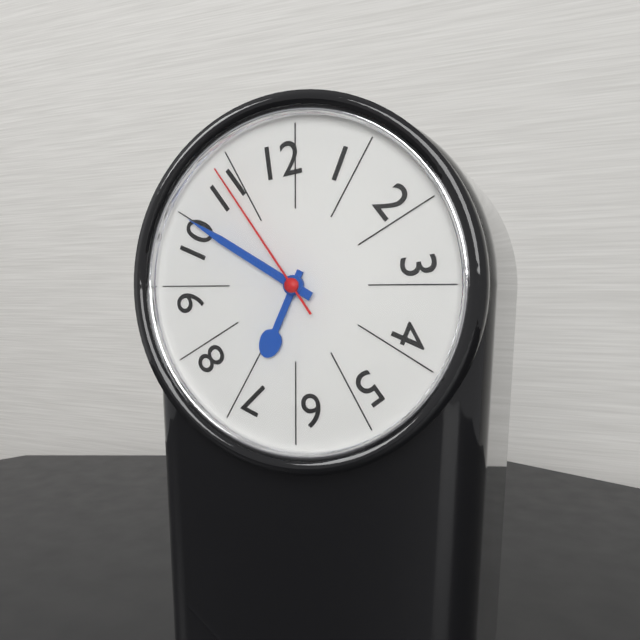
6:50:54
